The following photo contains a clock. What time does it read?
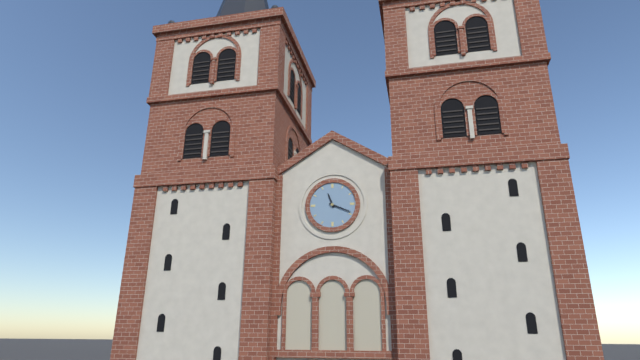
11:19
